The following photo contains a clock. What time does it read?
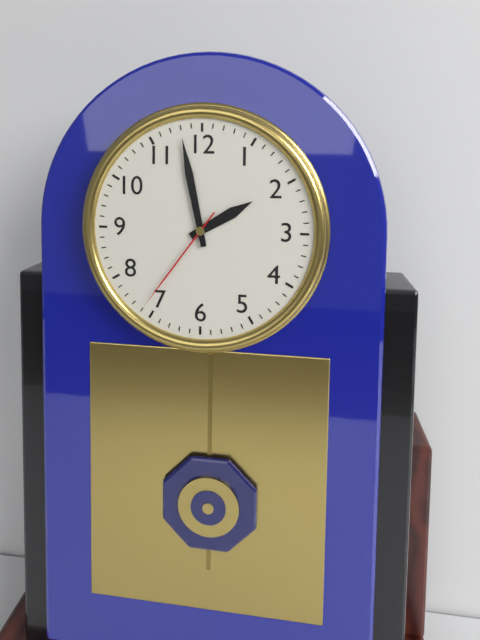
1:58:36
